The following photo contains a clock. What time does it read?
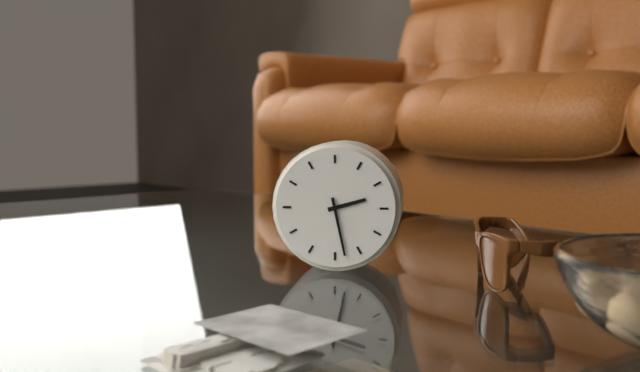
2:28
